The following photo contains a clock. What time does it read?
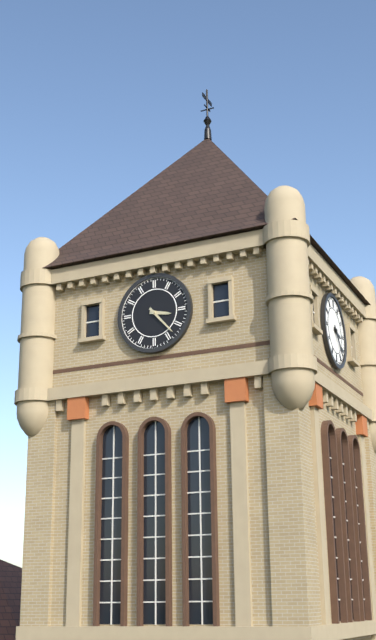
3:23
